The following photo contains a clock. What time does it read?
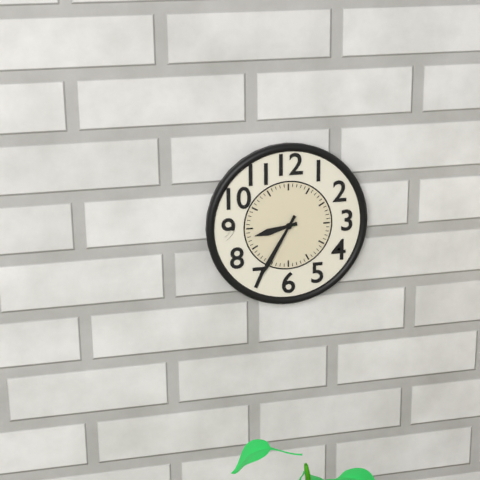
8:35
